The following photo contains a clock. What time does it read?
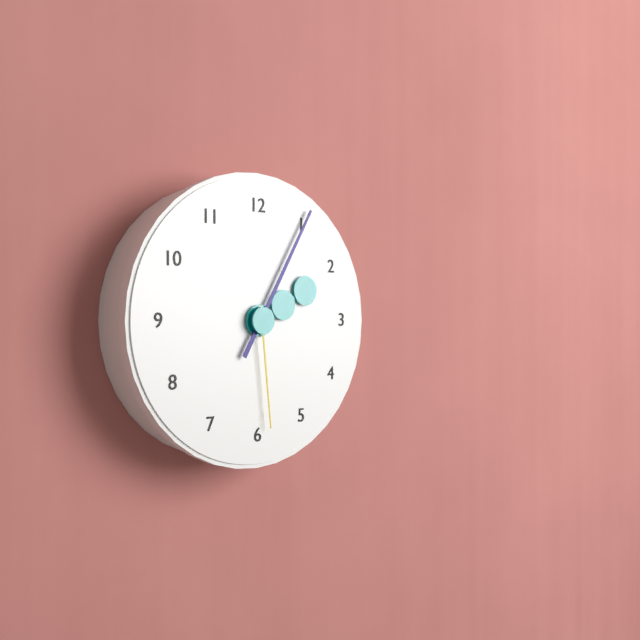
2:05:29
